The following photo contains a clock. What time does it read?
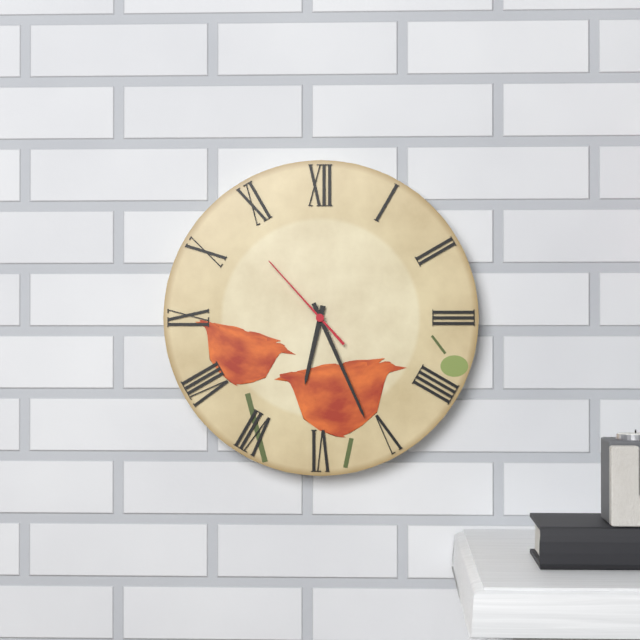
6:26:53
